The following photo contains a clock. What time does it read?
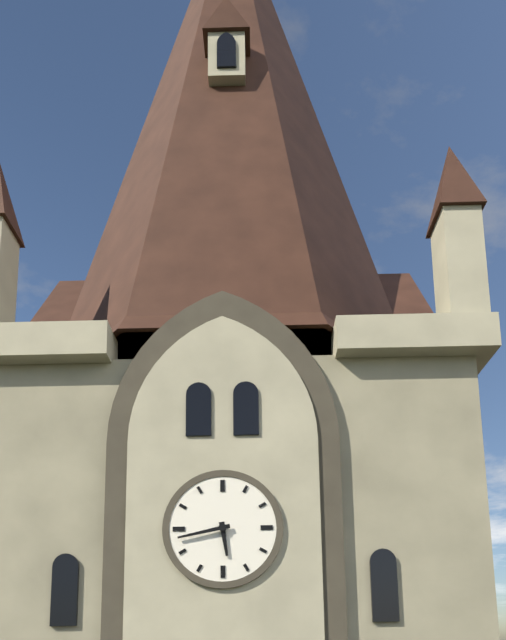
5:43
